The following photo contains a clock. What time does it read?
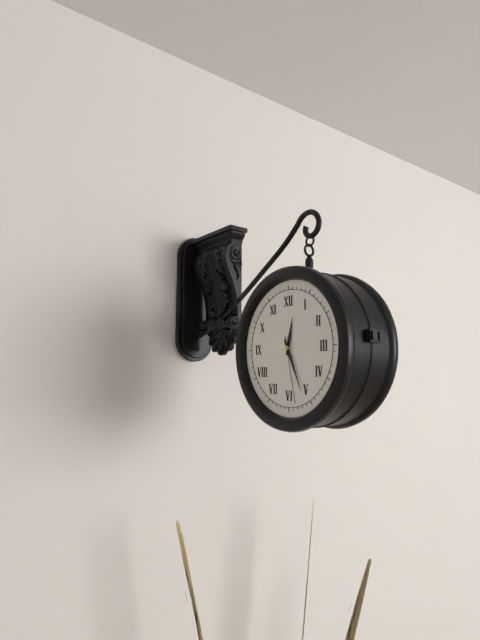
12:26:28
